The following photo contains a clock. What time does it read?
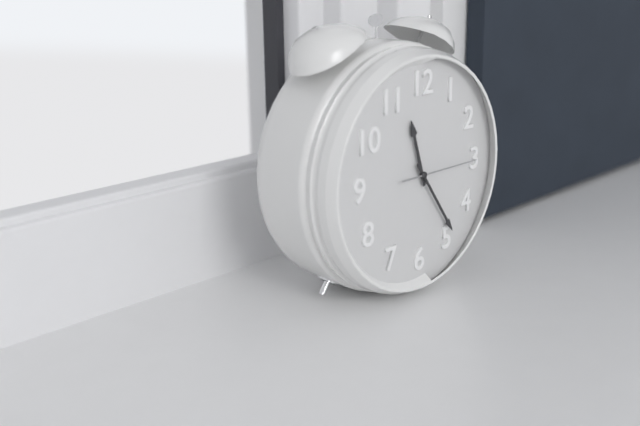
11:24:15
